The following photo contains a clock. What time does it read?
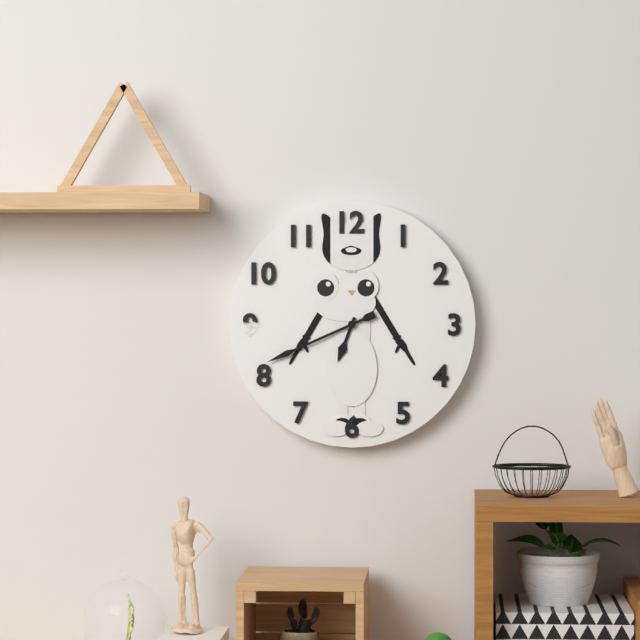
6:41
